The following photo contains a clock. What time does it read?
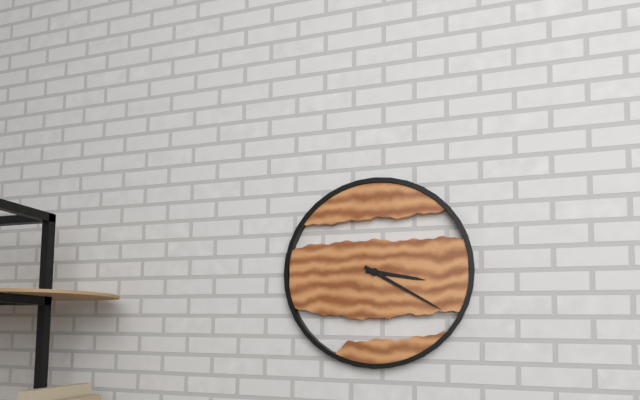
3:20
